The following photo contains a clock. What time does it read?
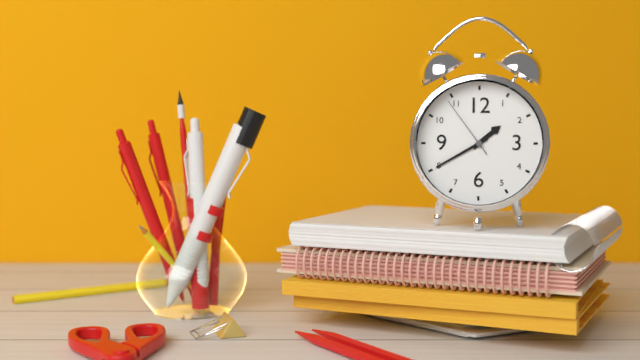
1:40:54
